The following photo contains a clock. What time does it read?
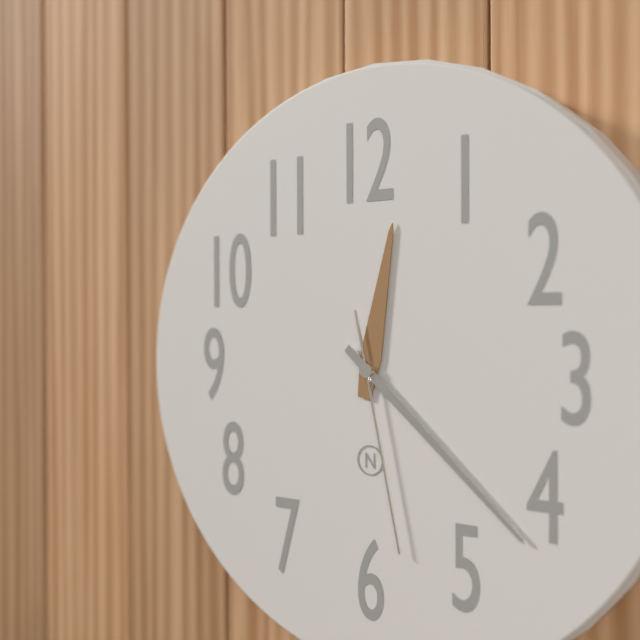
12:22:28
